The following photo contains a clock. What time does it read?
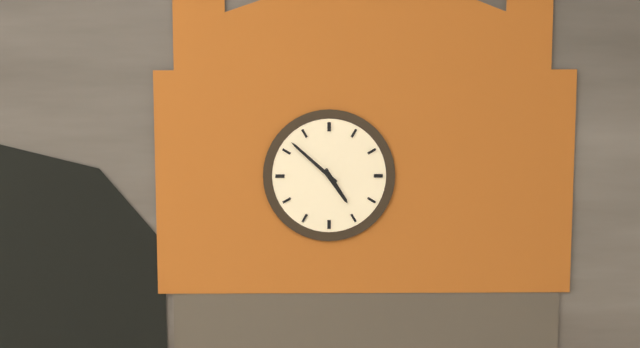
4:52
